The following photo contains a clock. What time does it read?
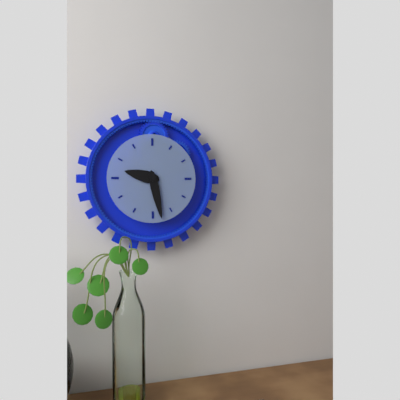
9:28
